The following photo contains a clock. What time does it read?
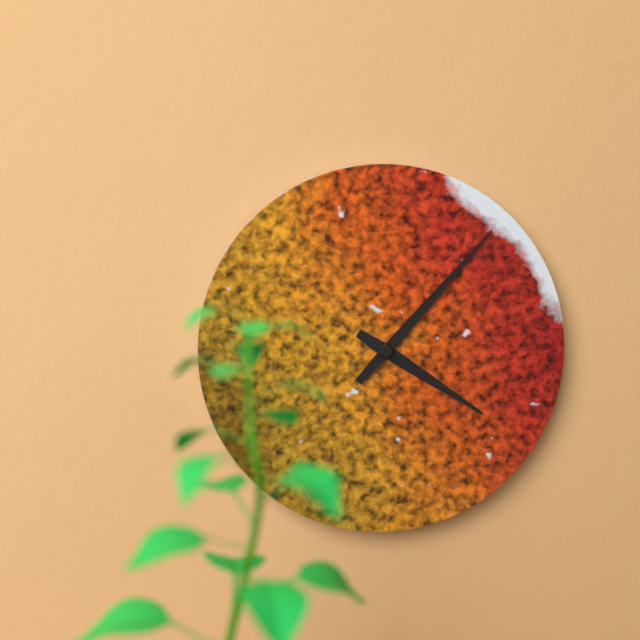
4:07
